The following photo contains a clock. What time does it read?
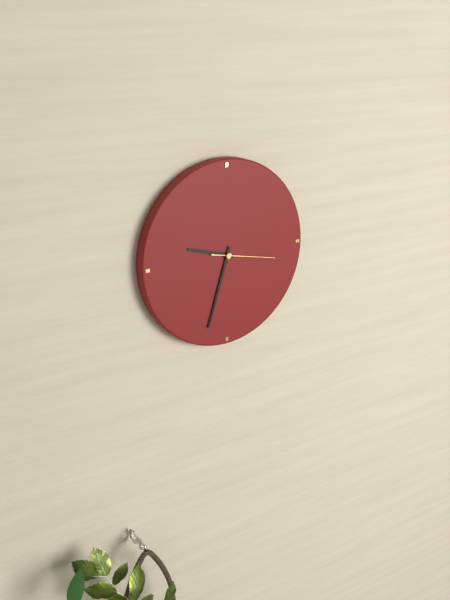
9:33:17
